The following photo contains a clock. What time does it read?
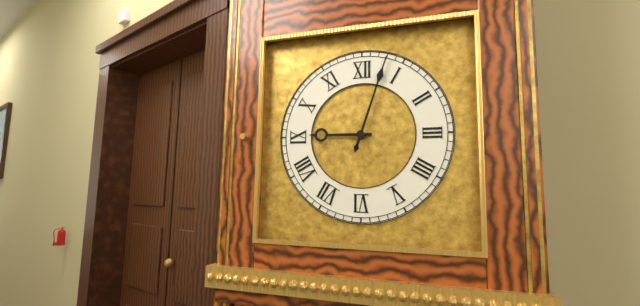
9:03
